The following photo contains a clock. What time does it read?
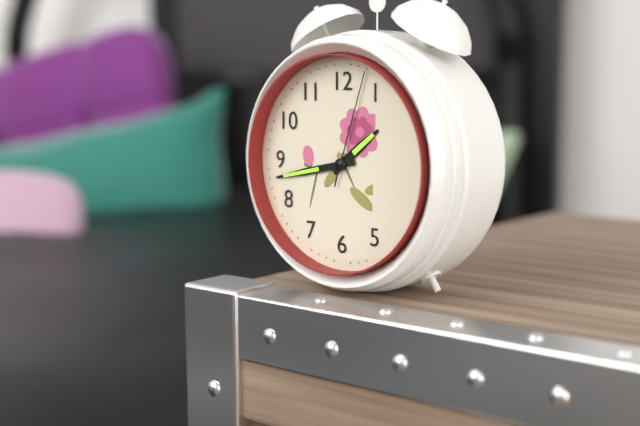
1:43:03
